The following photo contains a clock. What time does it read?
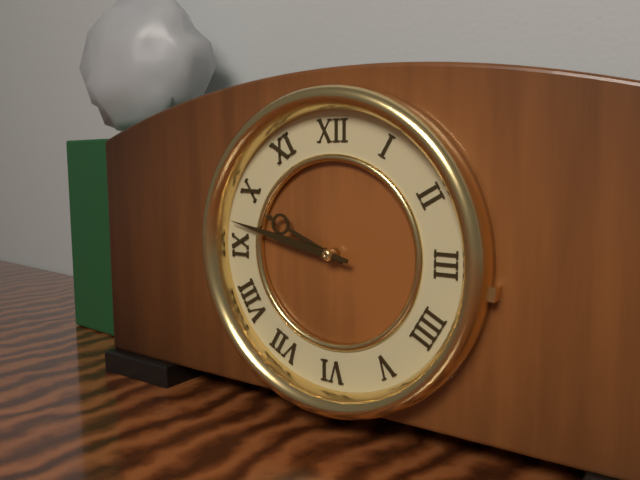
9:47
